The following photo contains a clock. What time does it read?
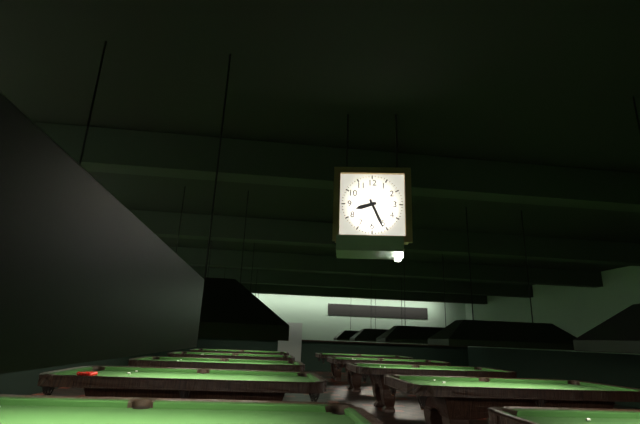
8:26
